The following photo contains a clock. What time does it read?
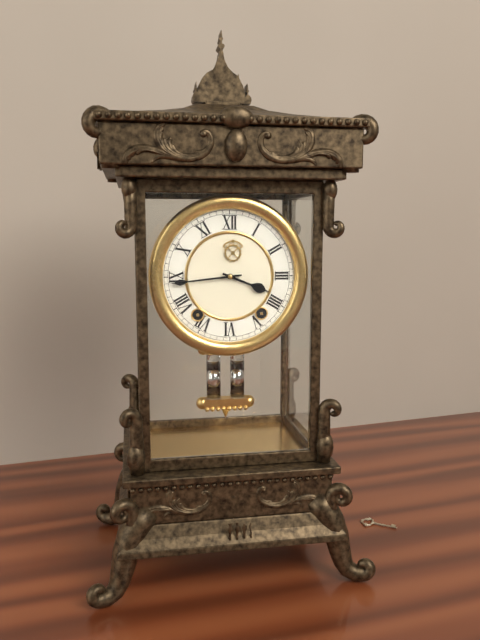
3:44
